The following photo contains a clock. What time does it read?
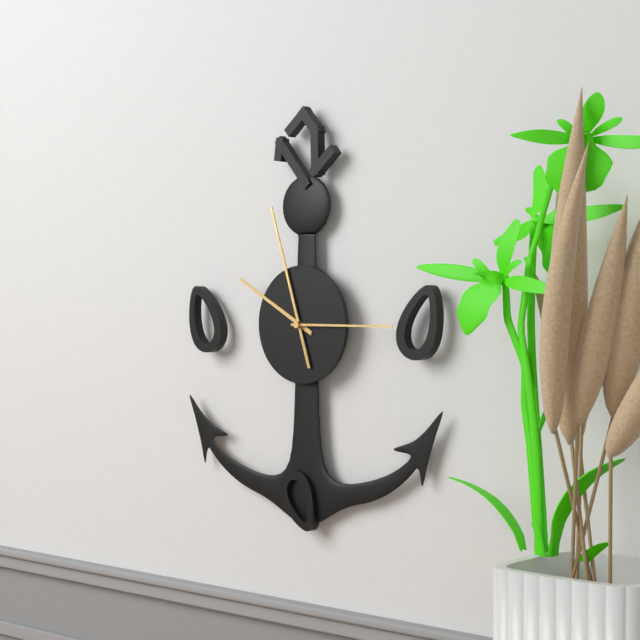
9:57:15
